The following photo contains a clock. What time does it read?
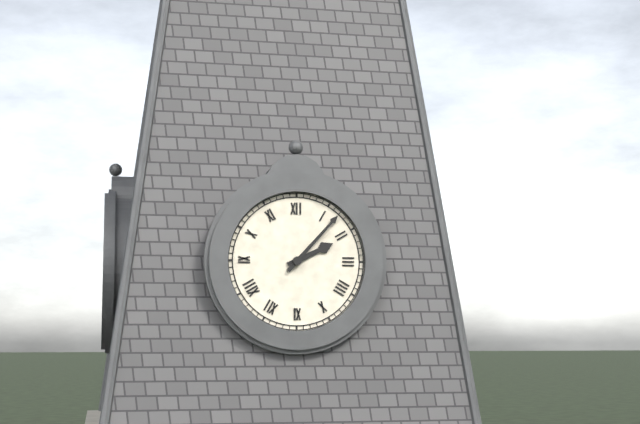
2:07
